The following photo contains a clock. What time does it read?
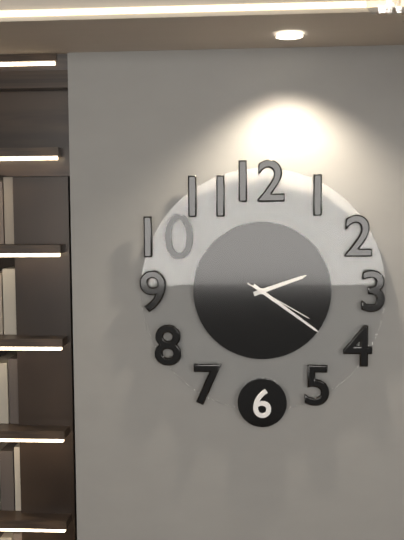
2:21:20
